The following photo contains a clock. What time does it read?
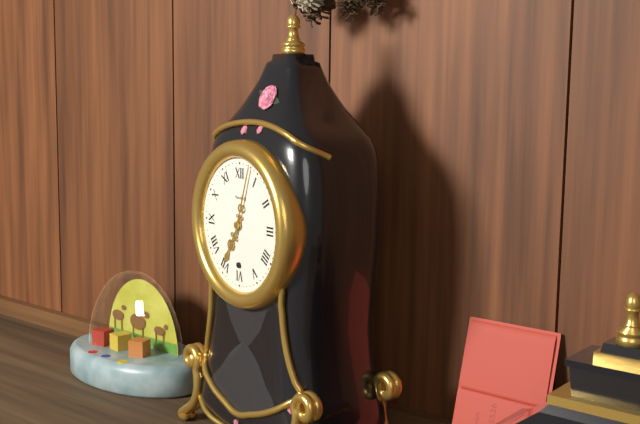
7:03
